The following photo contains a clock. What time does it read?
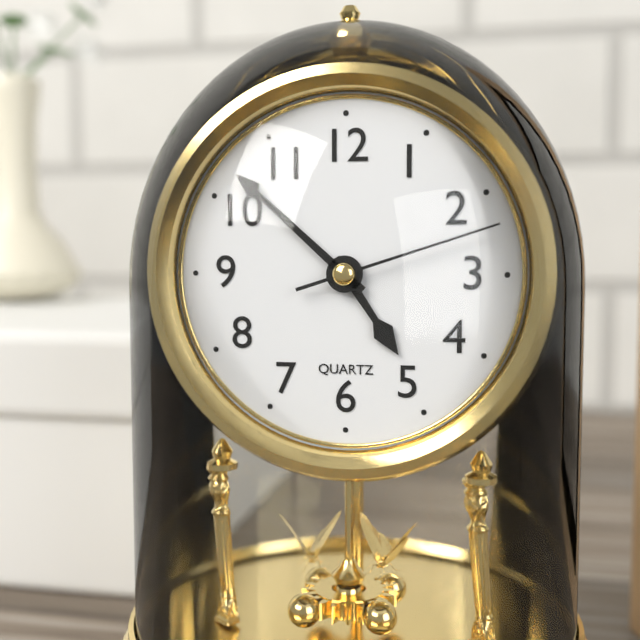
4:52:12
